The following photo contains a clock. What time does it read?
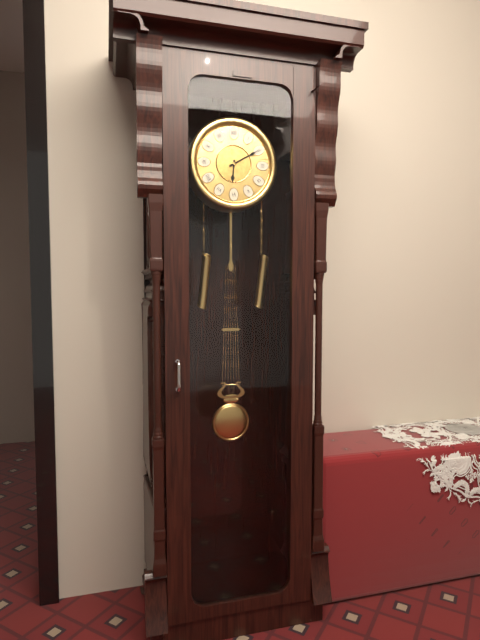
6:10
